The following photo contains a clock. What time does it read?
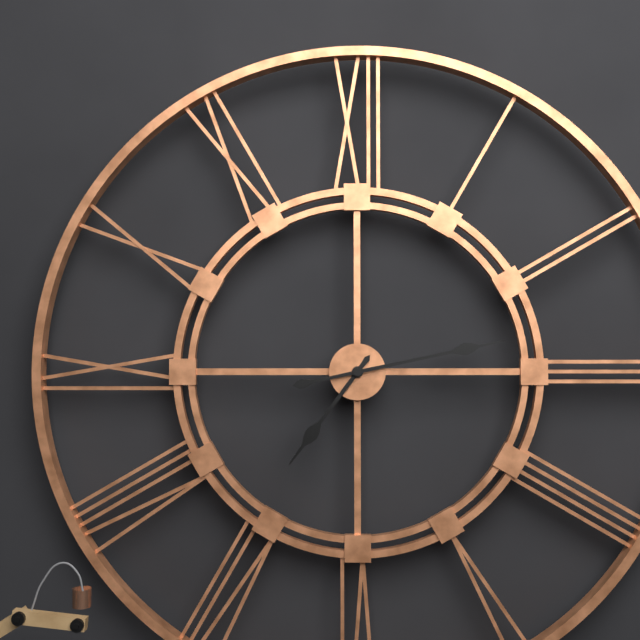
7:13
